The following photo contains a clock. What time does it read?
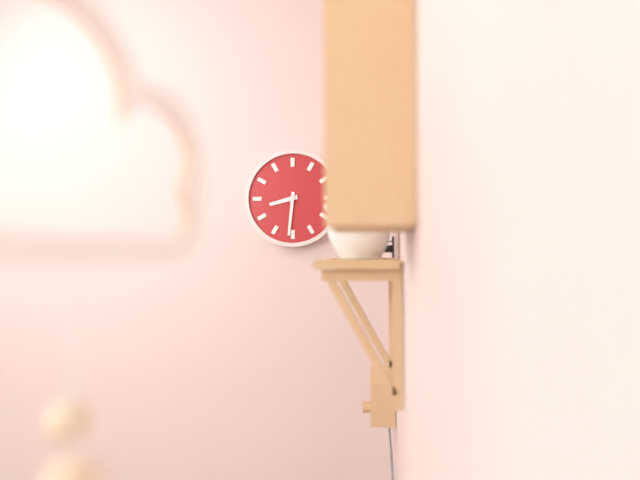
8:31
